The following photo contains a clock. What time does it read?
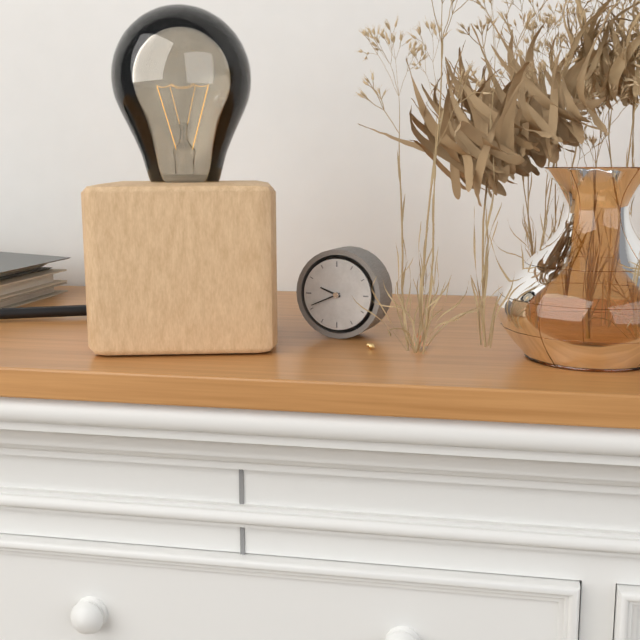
9:41
